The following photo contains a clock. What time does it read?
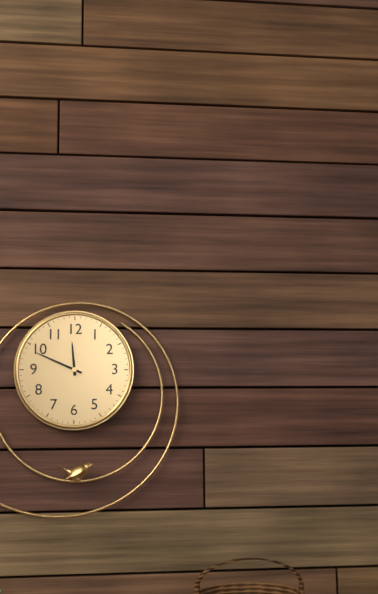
11:49
